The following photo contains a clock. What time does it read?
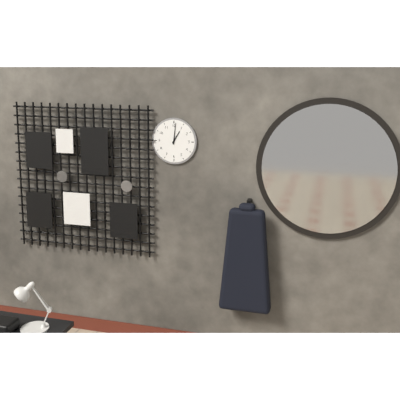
1:01
